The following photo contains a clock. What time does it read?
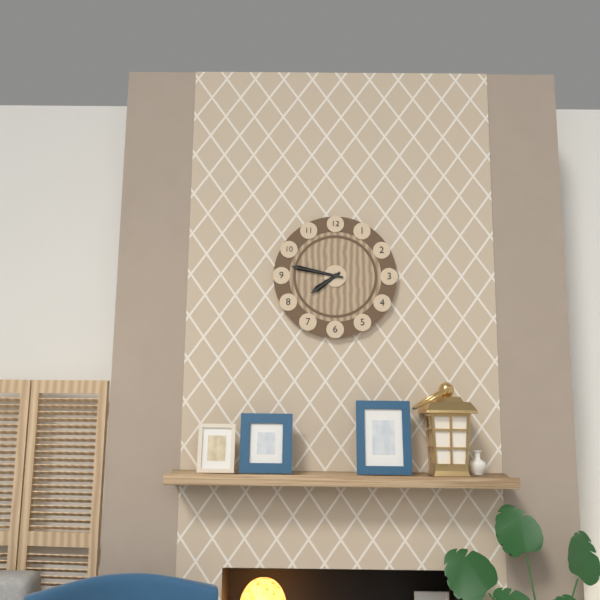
7:47
